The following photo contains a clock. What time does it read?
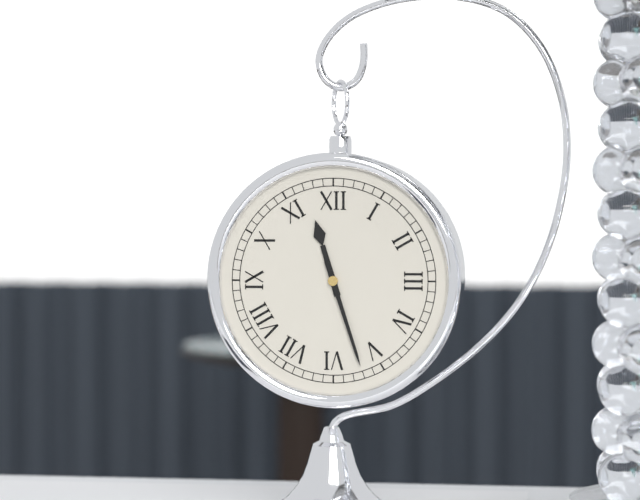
11:27
